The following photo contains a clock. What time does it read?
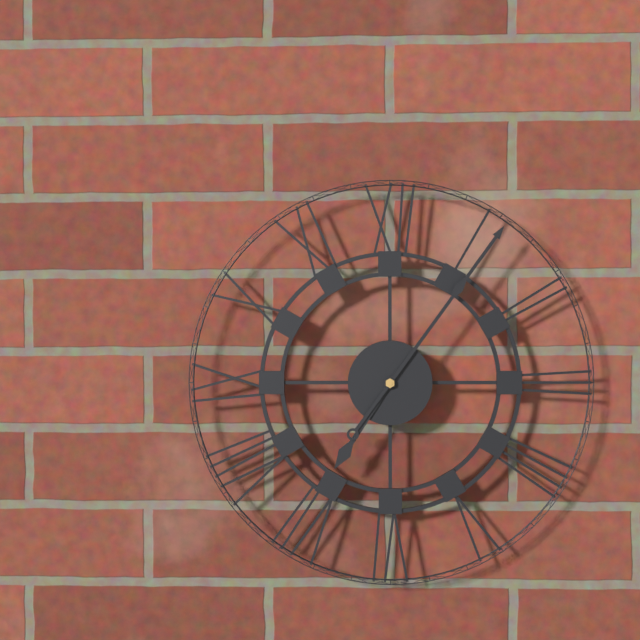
7:06
